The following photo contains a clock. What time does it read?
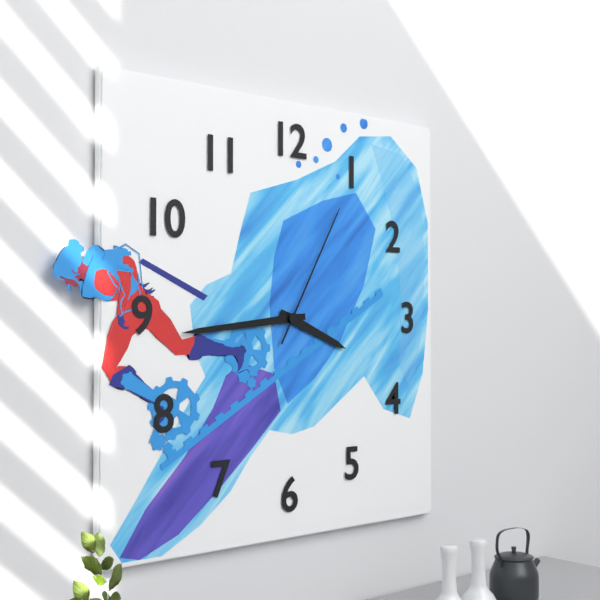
3:44:05
